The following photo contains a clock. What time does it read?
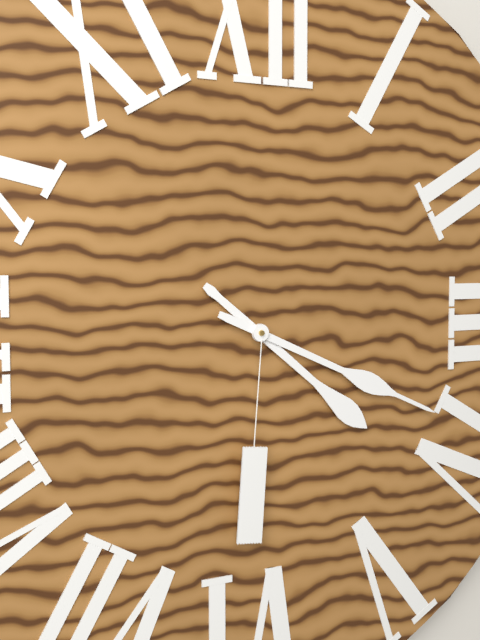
4:19
